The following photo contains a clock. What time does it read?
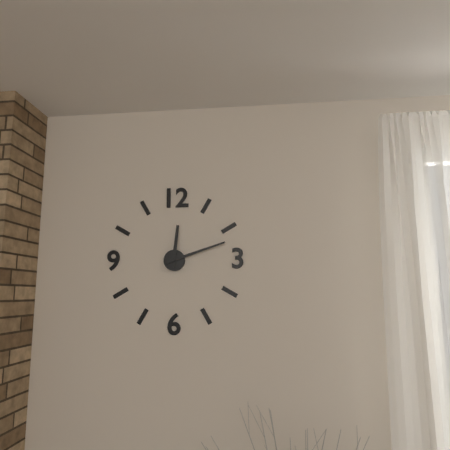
12:12
